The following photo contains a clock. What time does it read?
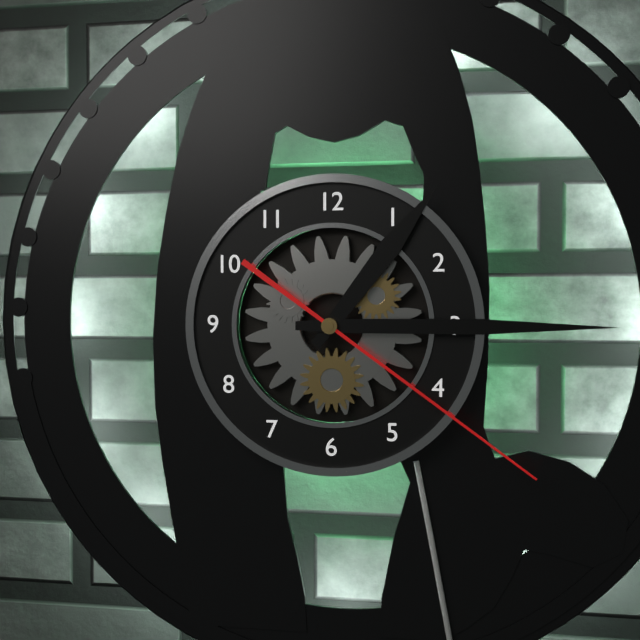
1:15:21
